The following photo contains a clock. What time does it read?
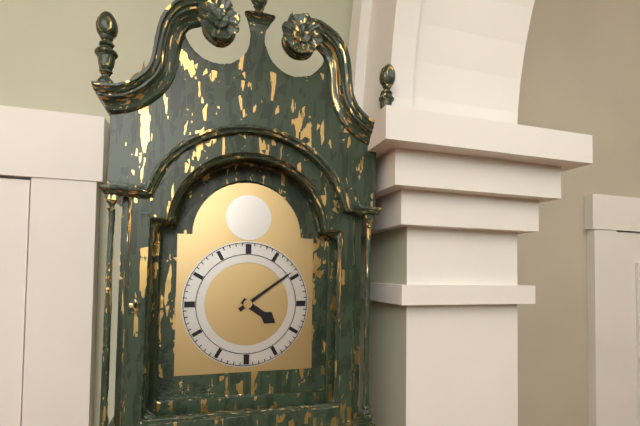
4:09
